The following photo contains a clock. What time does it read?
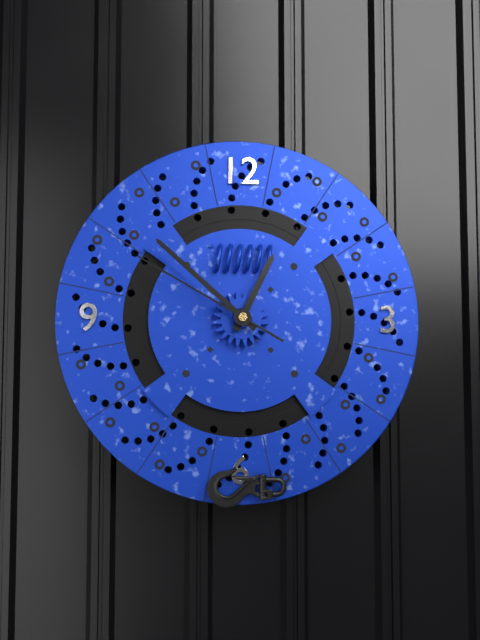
12:52:50
